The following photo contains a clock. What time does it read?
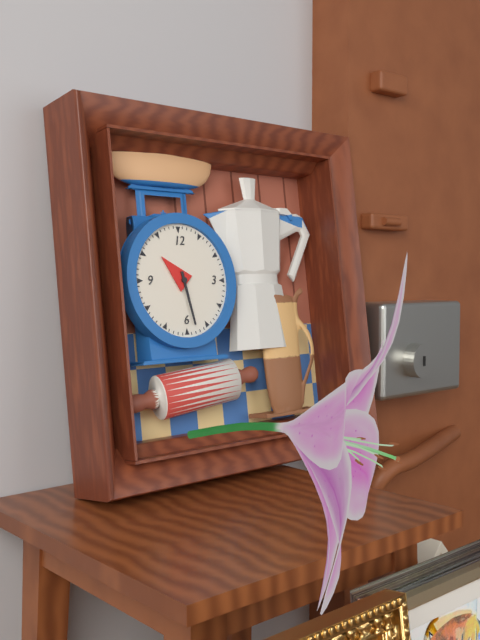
10:28
